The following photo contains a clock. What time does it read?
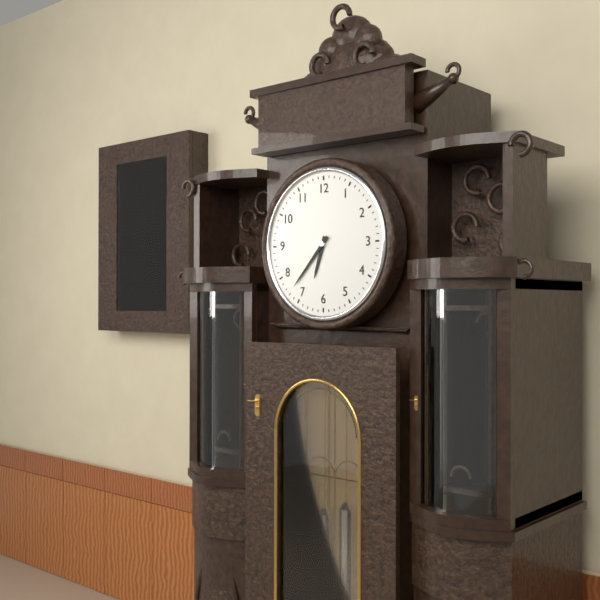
6:37
